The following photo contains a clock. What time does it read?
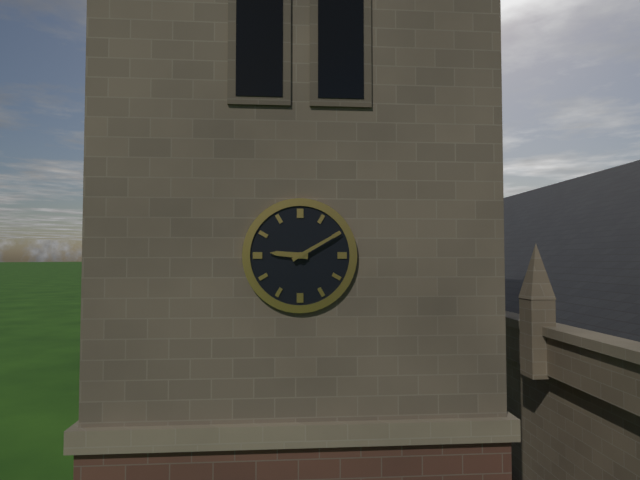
9:10
